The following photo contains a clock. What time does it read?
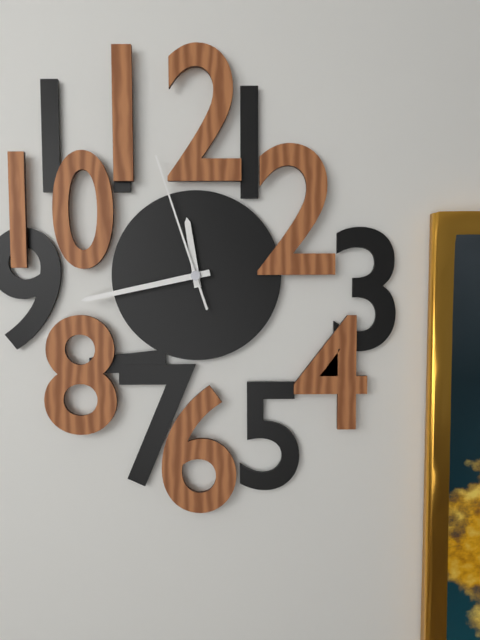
11:43:57
